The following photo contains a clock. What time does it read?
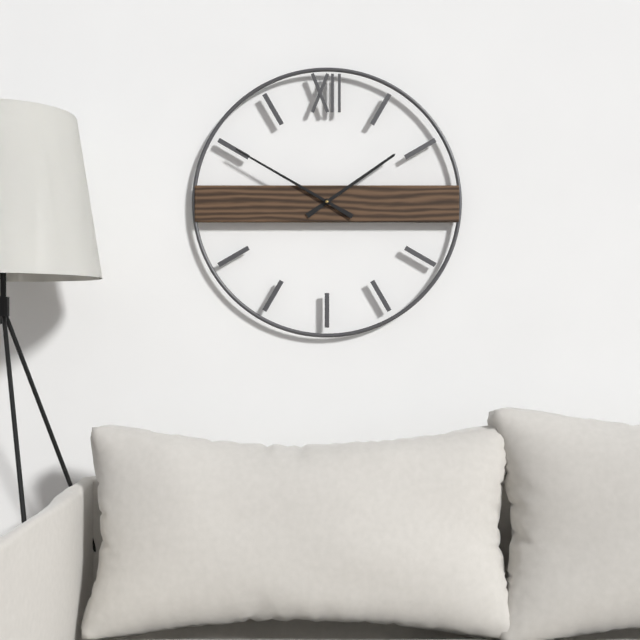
1:50
